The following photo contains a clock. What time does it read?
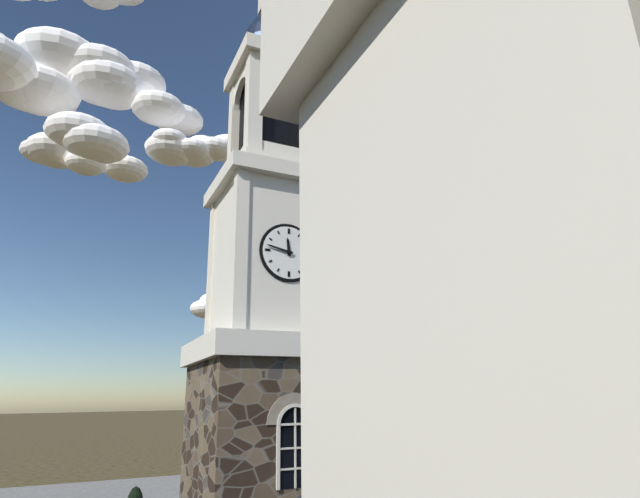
11:47
